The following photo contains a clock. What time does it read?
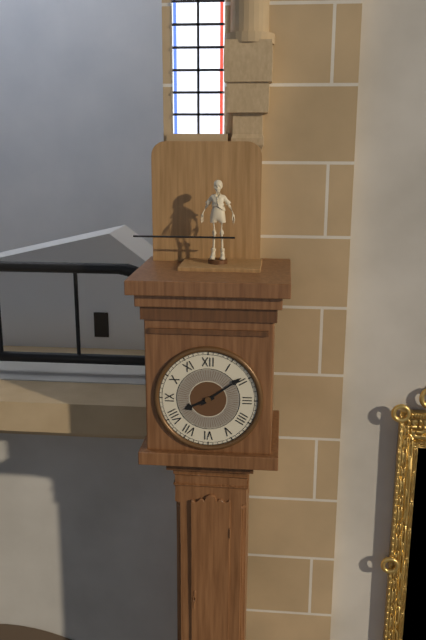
8:09
